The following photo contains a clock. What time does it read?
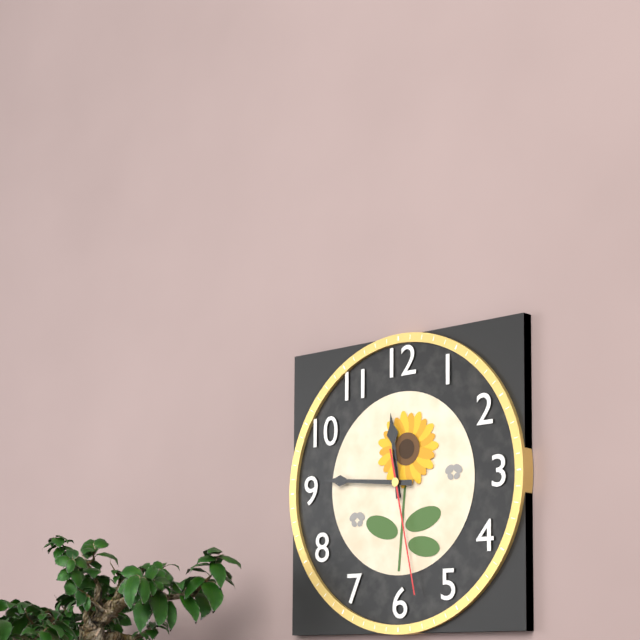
11:46:28
